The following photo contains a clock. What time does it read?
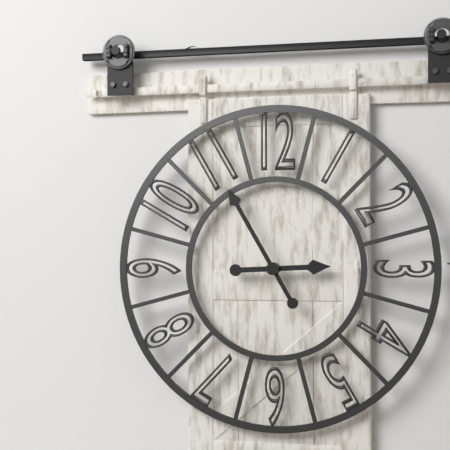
2:55
